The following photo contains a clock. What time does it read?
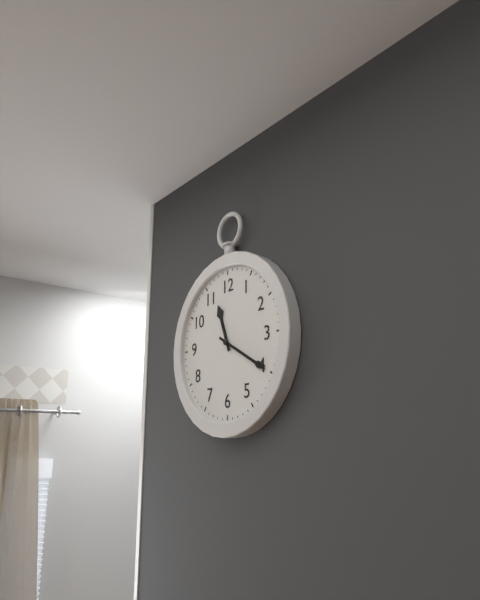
11:20
